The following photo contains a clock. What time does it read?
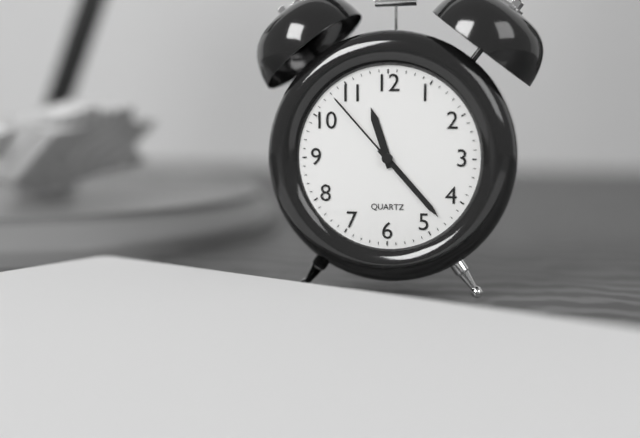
11:23:53
